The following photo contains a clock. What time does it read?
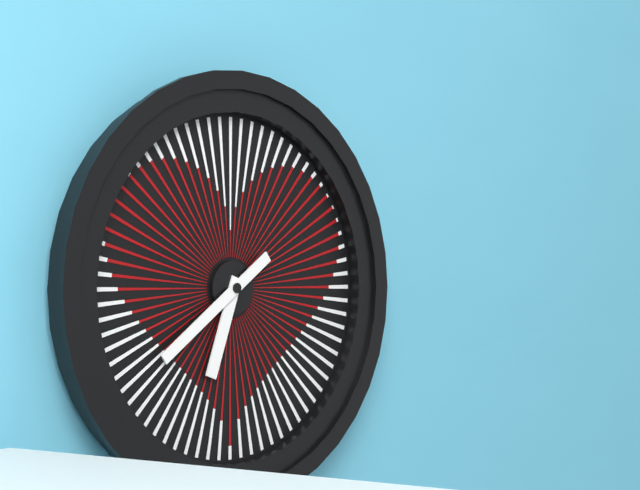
6:39
